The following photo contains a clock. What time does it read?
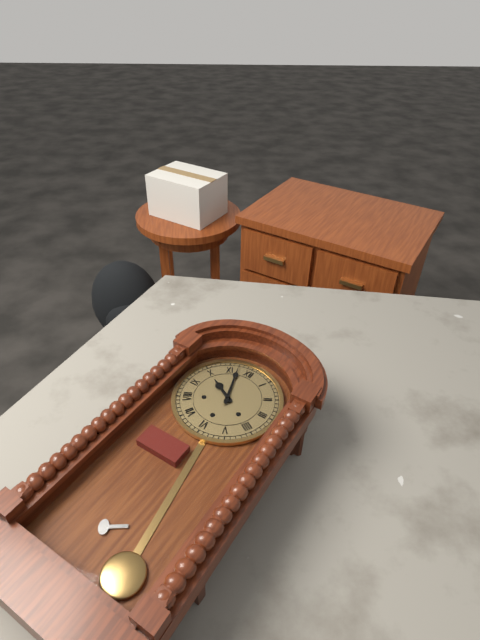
9:57
